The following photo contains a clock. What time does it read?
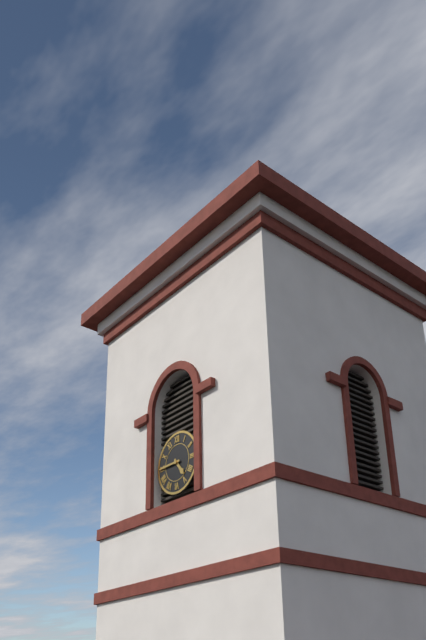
4:45
